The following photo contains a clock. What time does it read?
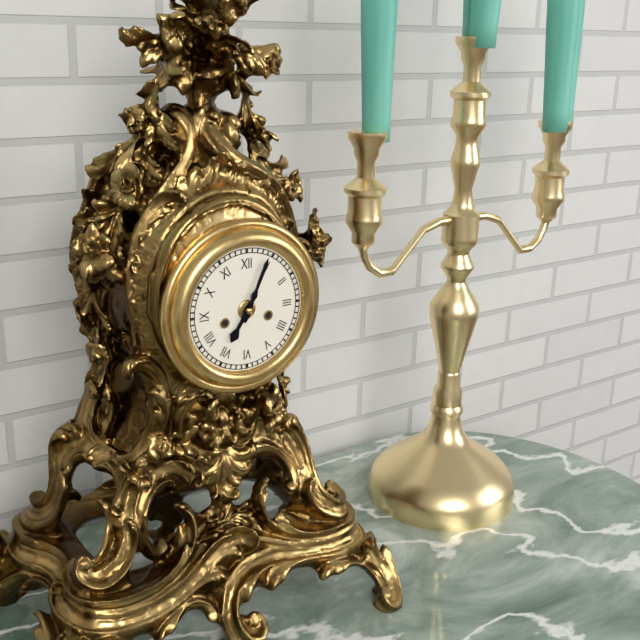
7:04
